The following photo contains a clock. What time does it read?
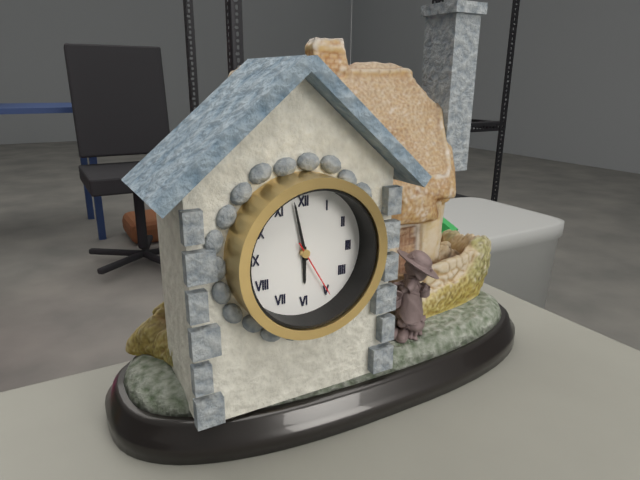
5:58:25
